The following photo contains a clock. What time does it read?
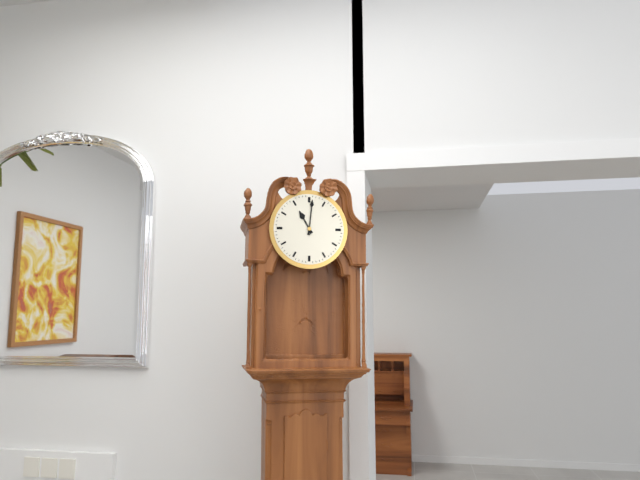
11:01
